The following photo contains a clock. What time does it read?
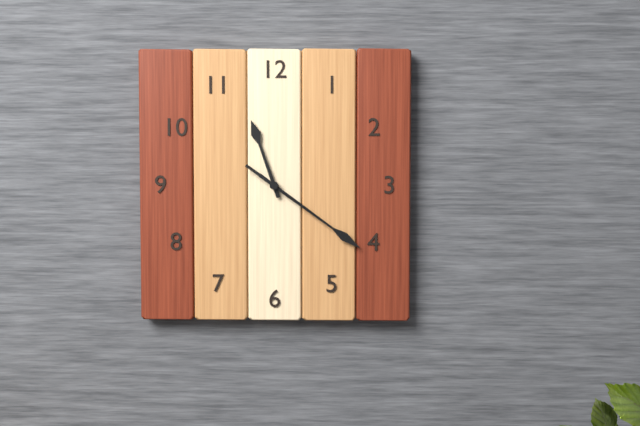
11:21:21
